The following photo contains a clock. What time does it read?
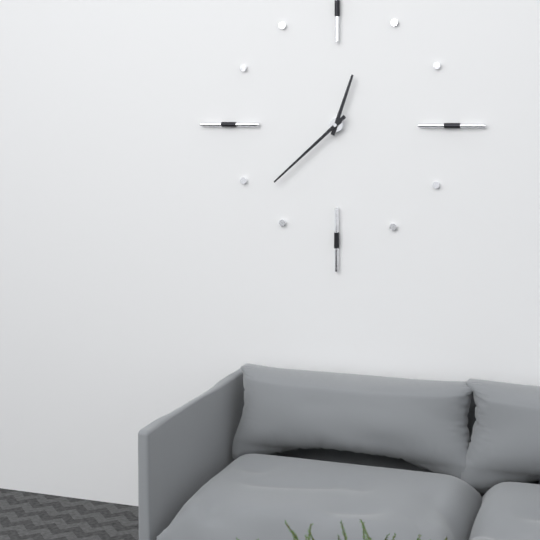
12:38
